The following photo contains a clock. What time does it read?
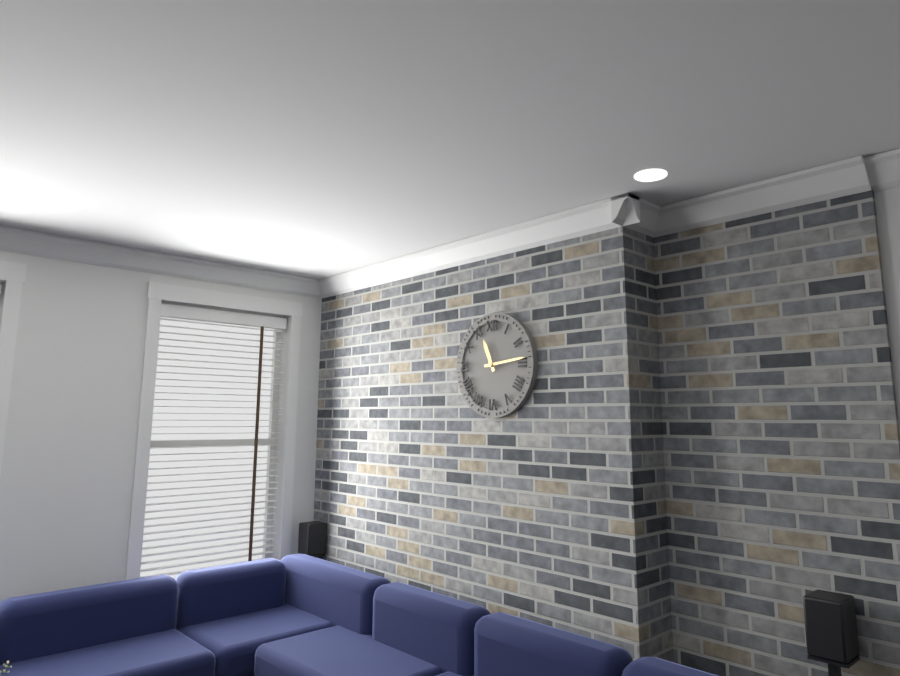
11:14
